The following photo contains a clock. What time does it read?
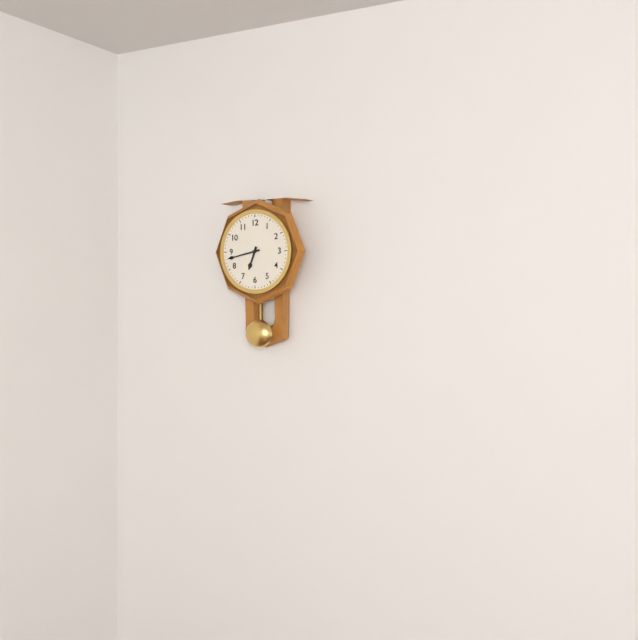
6:43
